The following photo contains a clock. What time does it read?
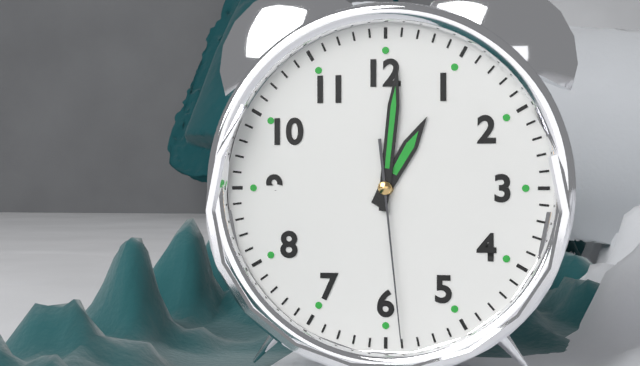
1:01:29
